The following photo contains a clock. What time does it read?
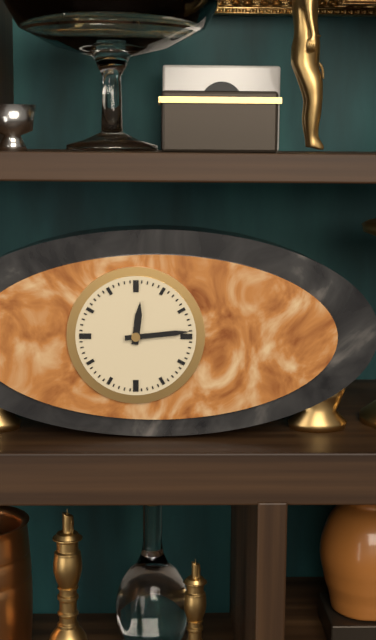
12:14
